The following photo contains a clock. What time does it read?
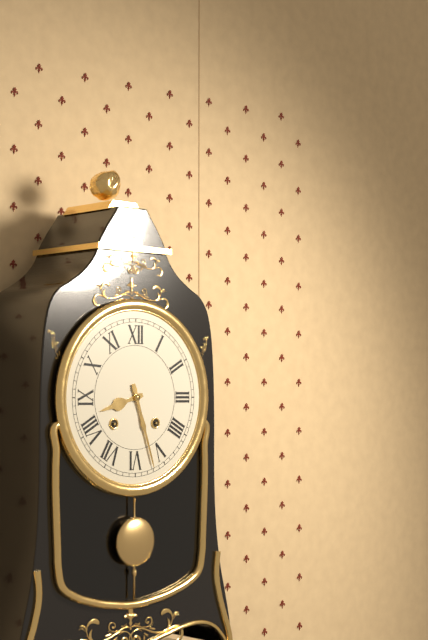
8:27
